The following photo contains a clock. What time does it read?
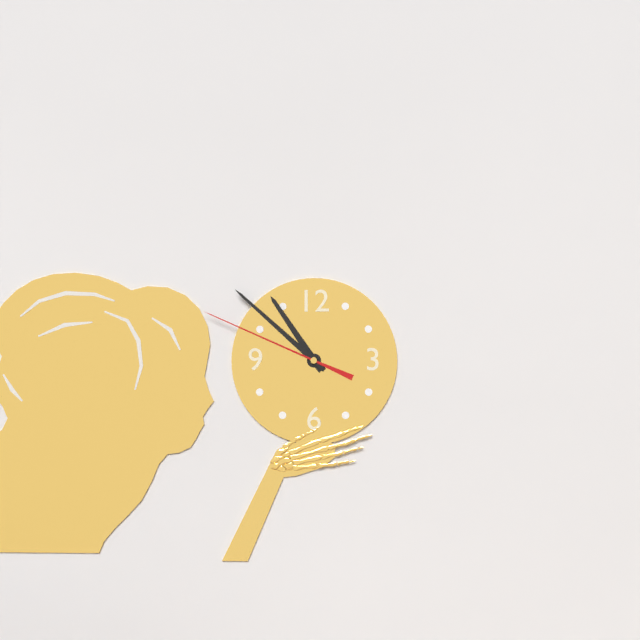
10:52:49
